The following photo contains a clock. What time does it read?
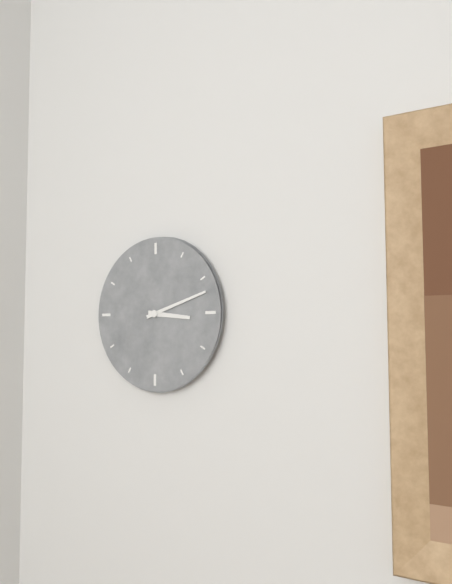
3:12
